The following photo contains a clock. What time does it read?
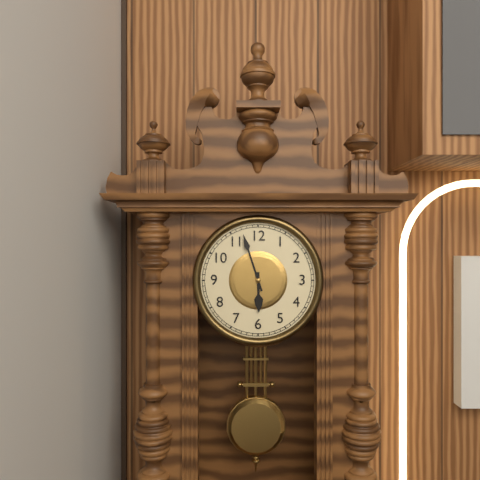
5:57
